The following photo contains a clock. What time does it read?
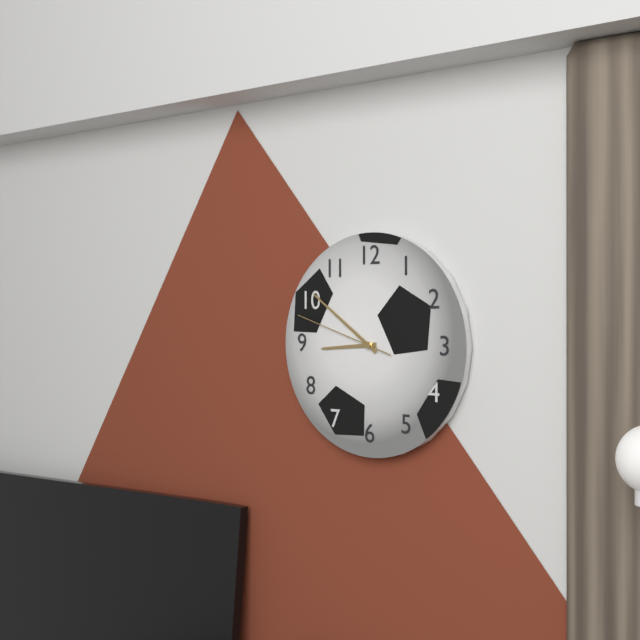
8:51:48
